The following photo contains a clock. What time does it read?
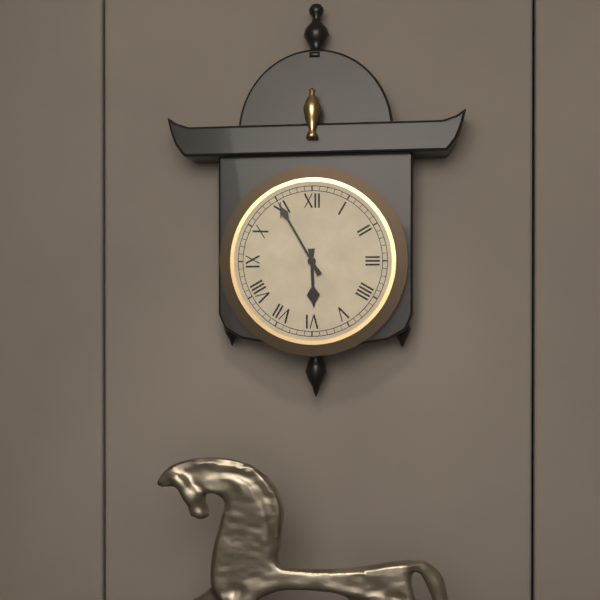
5:55
